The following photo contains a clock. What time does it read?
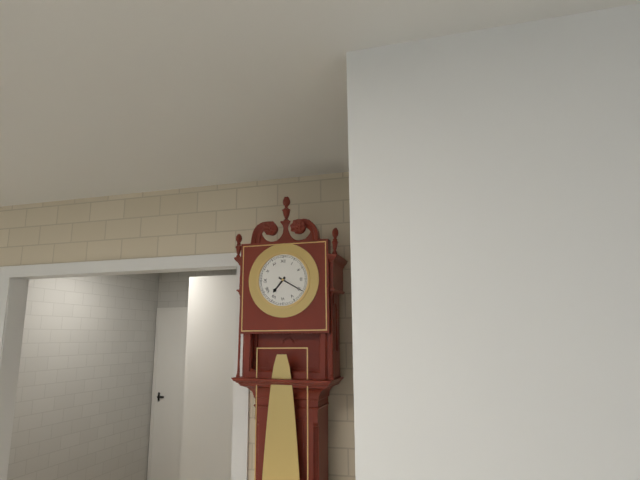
7:20
